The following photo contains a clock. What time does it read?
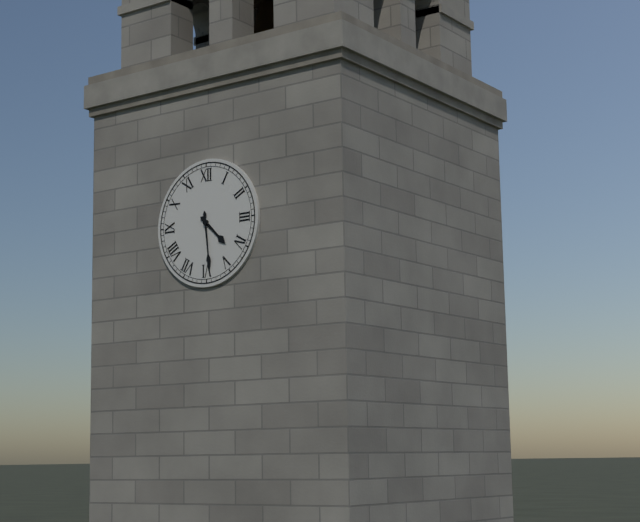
4:29
